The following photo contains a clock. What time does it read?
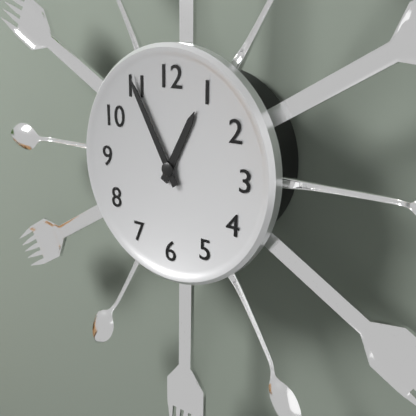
12:55
